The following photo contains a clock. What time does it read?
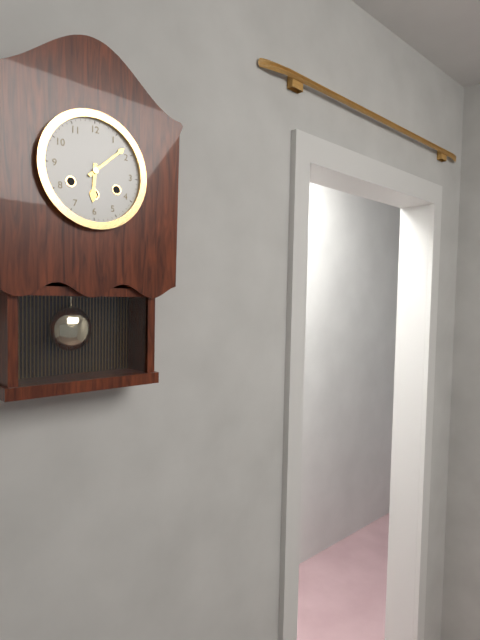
6:08
